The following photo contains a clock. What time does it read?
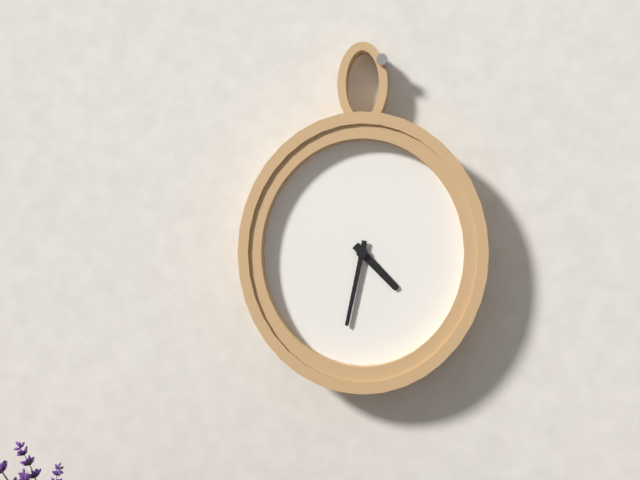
4:32
